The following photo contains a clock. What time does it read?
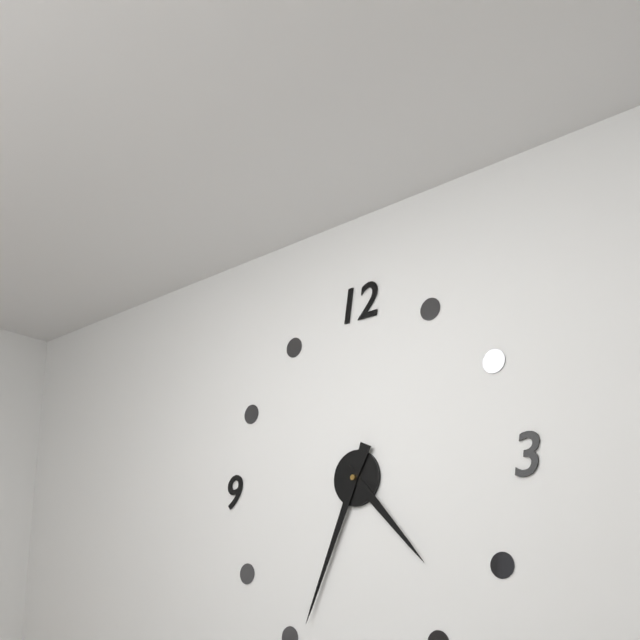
4:34
